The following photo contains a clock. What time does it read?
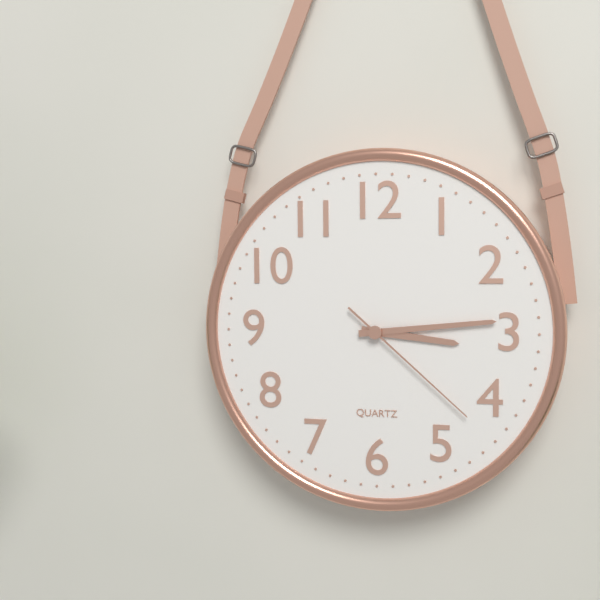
3:14:22
